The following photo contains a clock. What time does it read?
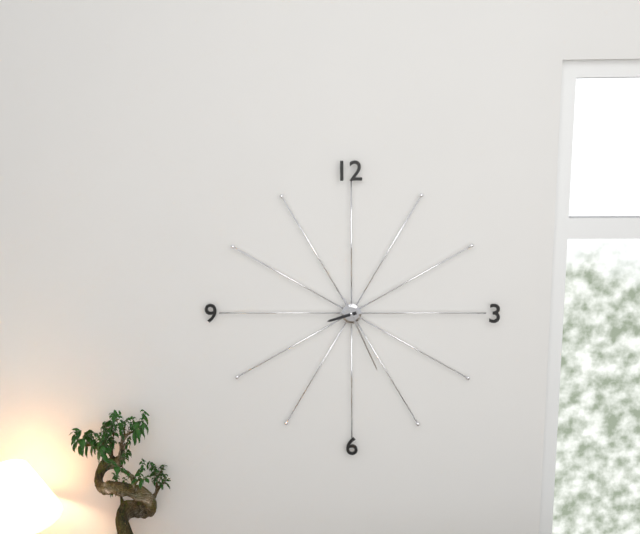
8:26
